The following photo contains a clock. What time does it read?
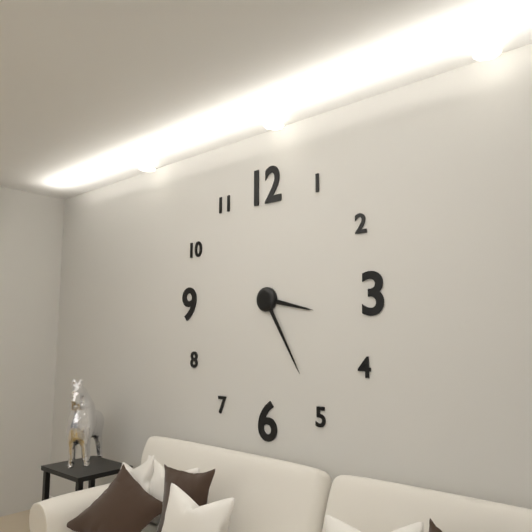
3:25
